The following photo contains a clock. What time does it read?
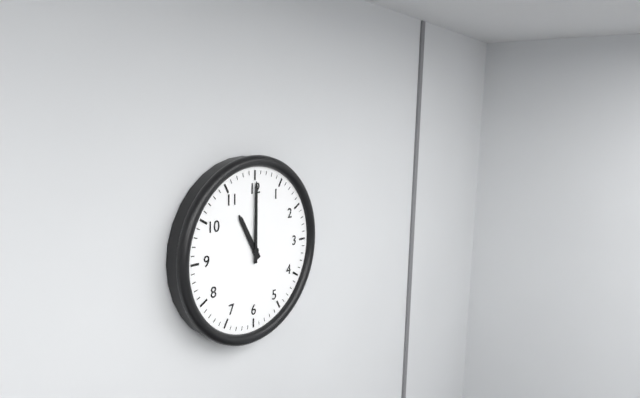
11:00
